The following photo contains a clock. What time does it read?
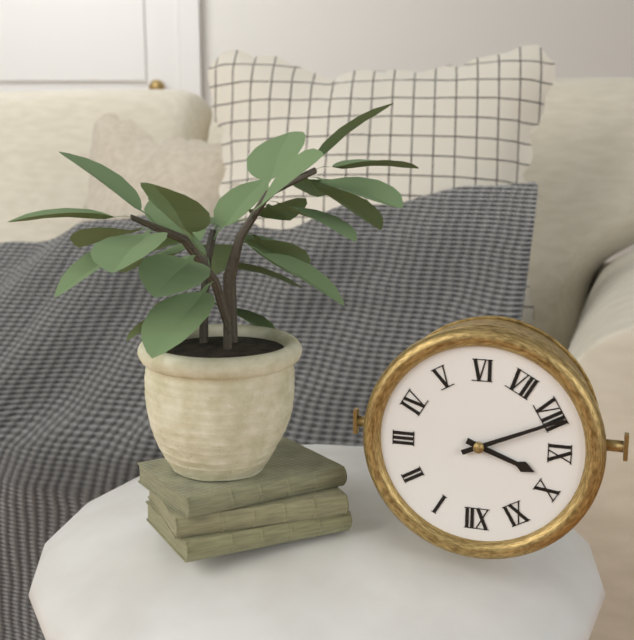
9:41
